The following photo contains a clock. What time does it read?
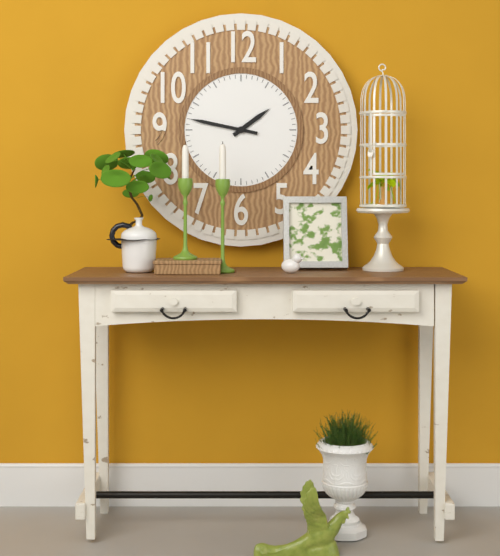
1:47
